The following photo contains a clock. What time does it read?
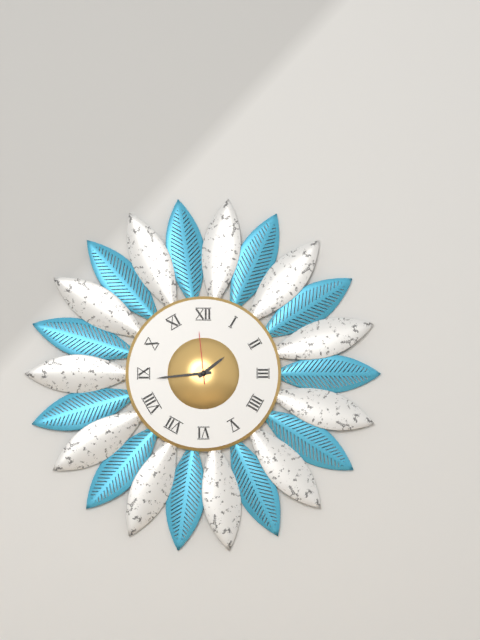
1:44:59
